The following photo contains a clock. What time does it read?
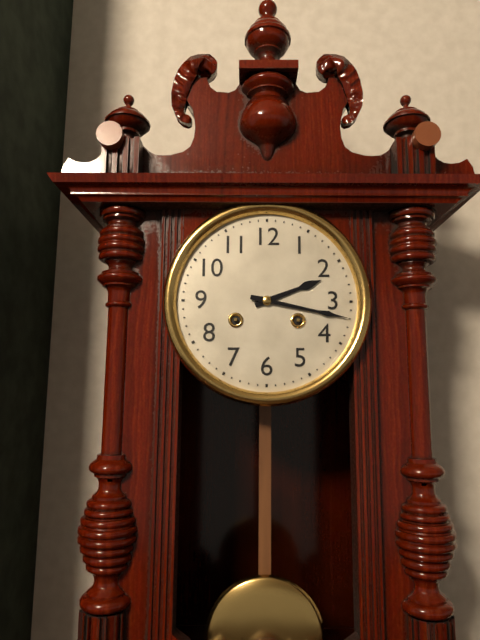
2:17
